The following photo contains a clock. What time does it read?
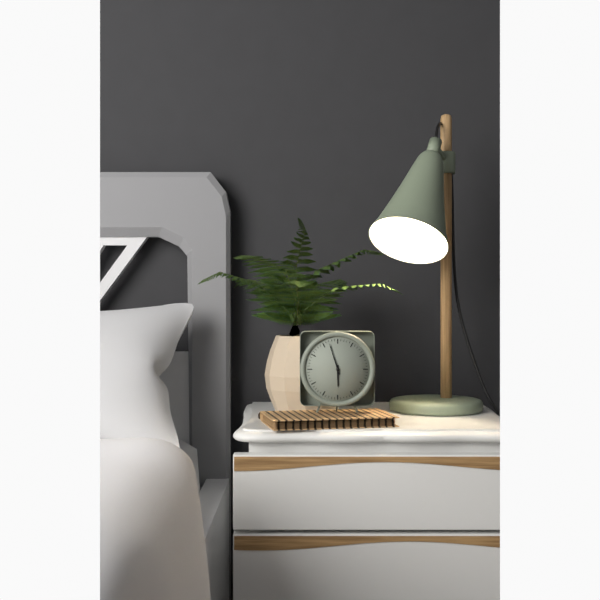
5:57
